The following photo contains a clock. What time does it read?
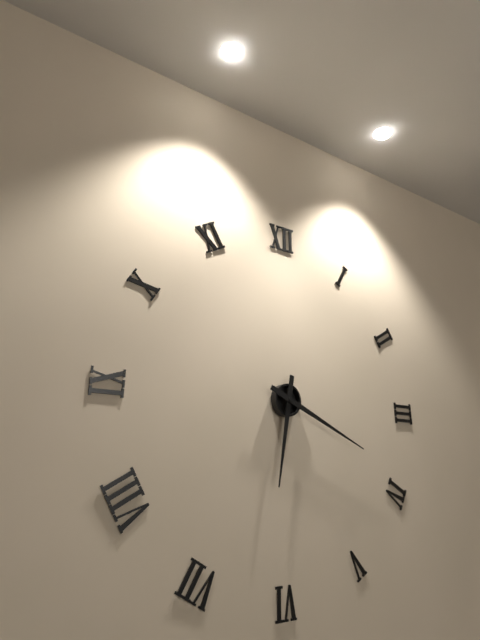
6:19
